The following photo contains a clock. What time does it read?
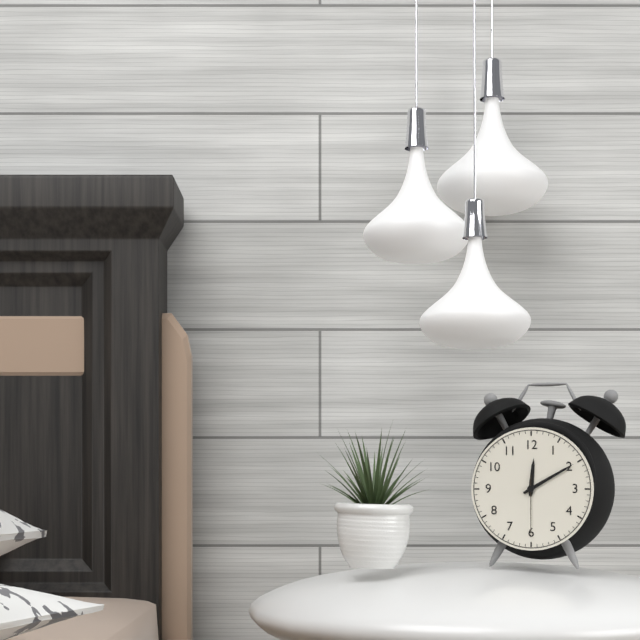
12:10:30
